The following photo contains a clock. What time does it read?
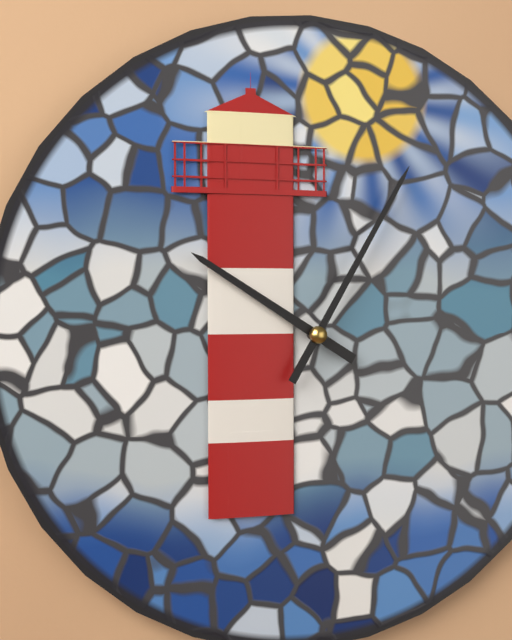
10:05
